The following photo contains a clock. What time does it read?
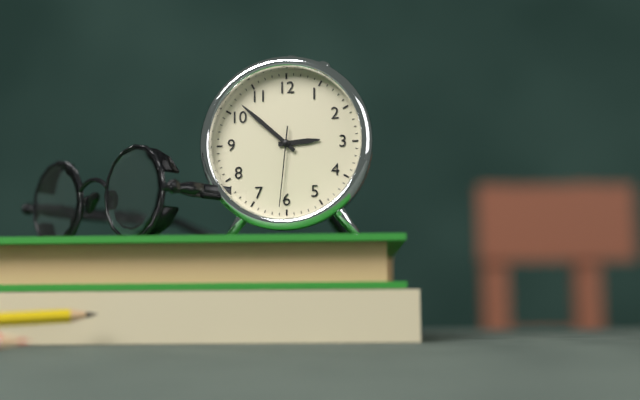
2:52:31
